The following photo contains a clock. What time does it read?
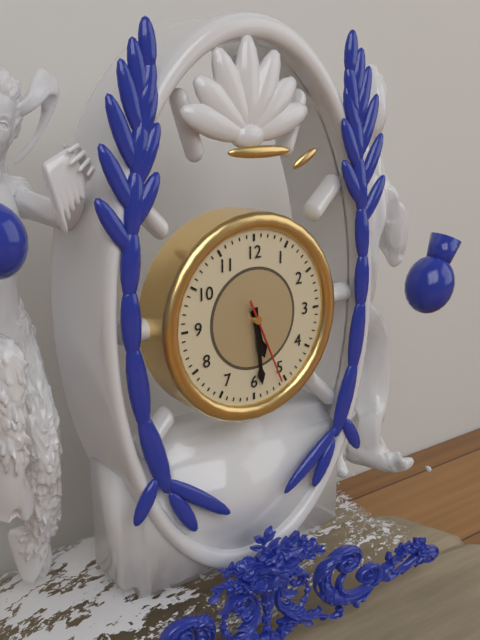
5:29:26
